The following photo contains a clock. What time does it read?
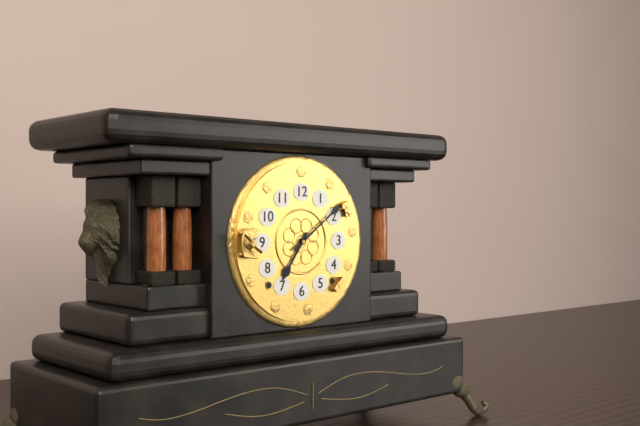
7:09
